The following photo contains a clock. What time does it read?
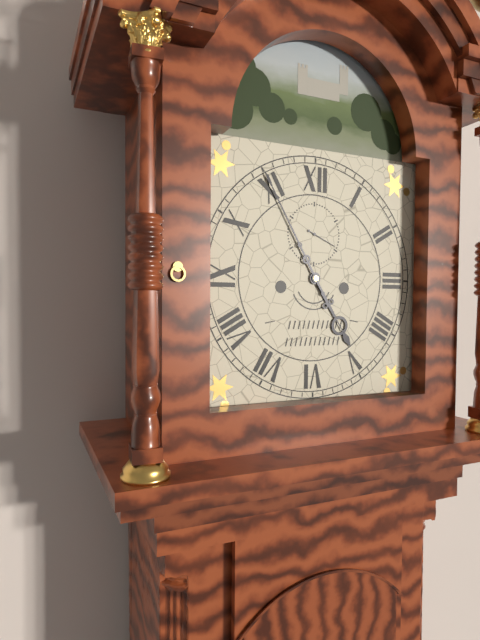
4:55
